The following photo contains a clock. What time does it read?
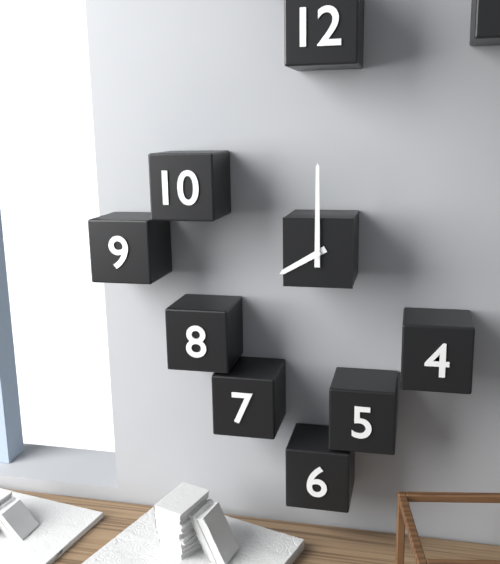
8:00
